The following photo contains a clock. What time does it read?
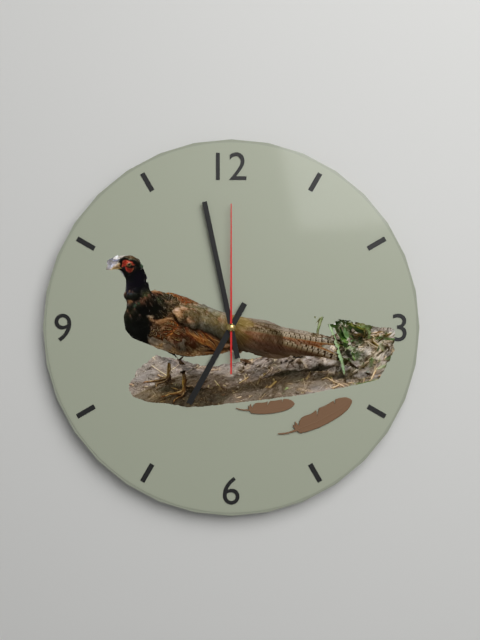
6:58:00
